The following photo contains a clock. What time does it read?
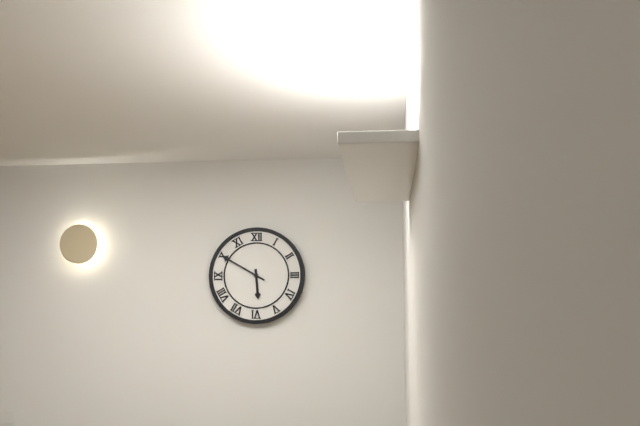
5:50
